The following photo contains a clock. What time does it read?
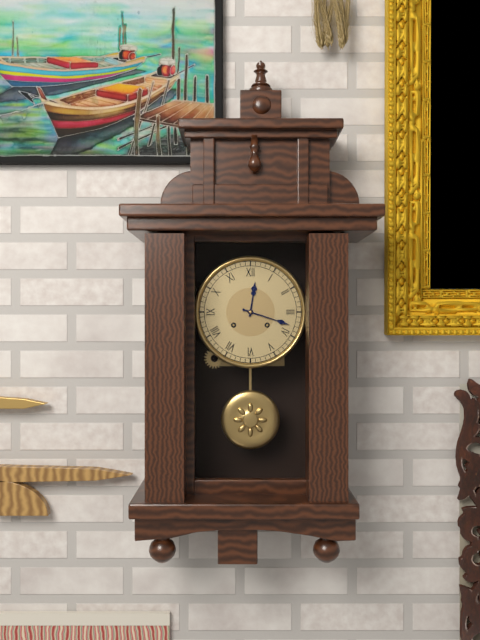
12:18
